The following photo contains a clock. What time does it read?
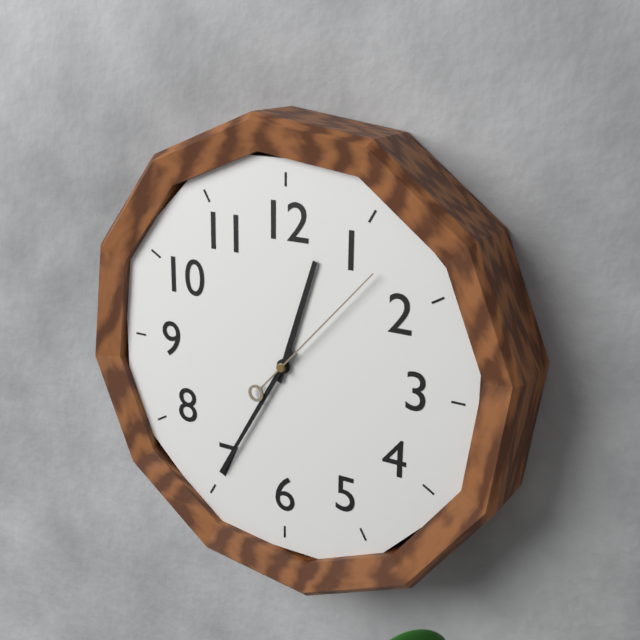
12:35:07
